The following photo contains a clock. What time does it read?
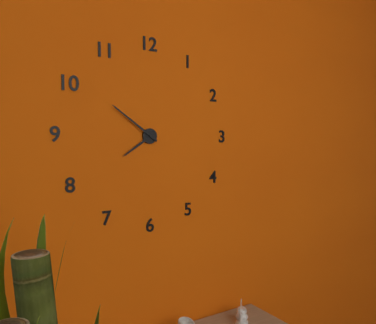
7:51
